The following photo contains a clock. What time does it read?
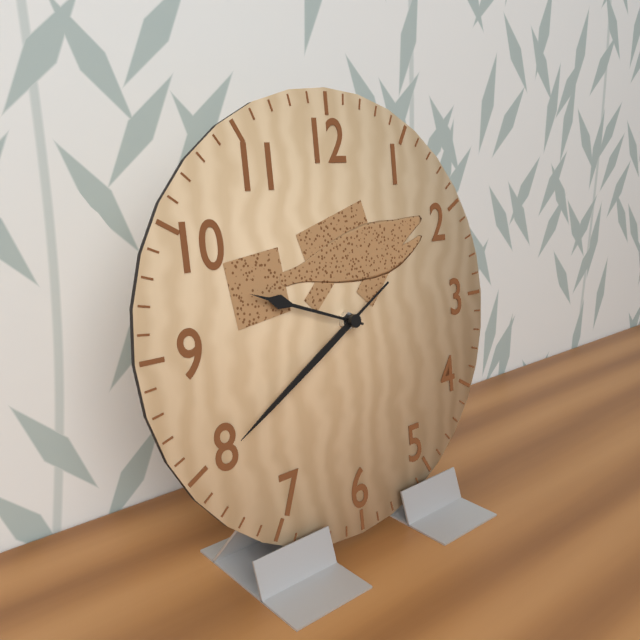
9:40
